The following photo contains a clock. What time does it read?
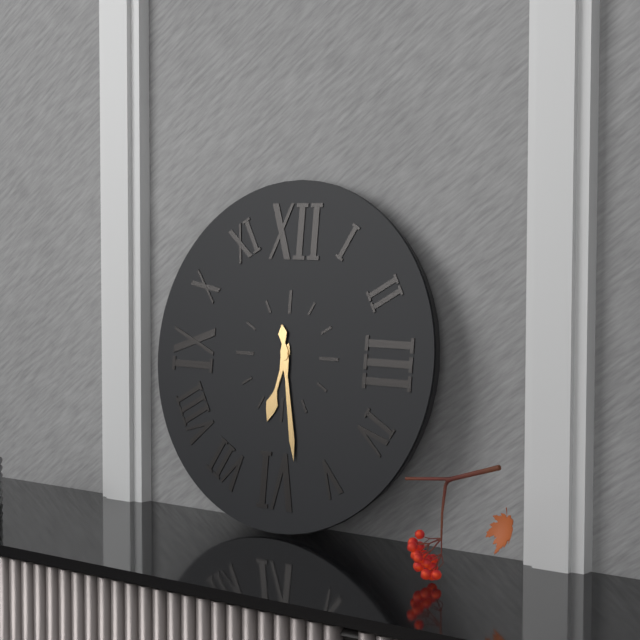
6:28
